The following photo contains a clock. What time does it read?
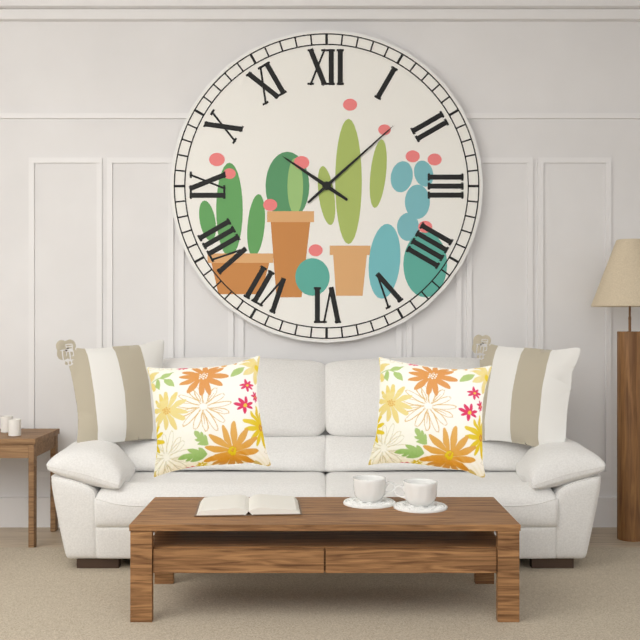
10:08
